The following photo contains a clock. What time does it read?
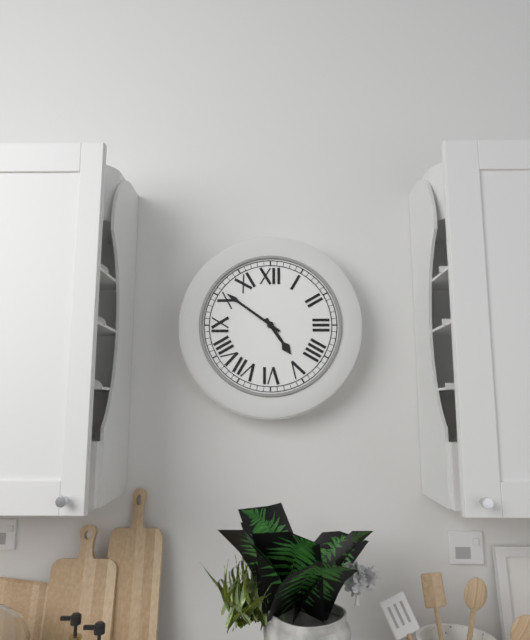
4:51
